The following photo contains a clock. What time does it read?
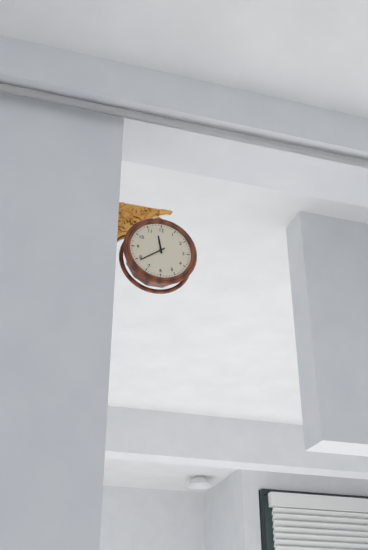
11:39
